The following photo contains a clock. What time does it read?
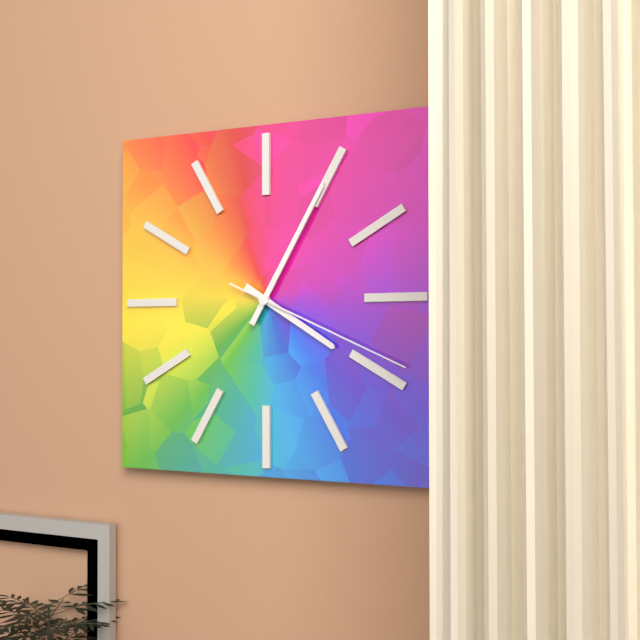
4:05:19
